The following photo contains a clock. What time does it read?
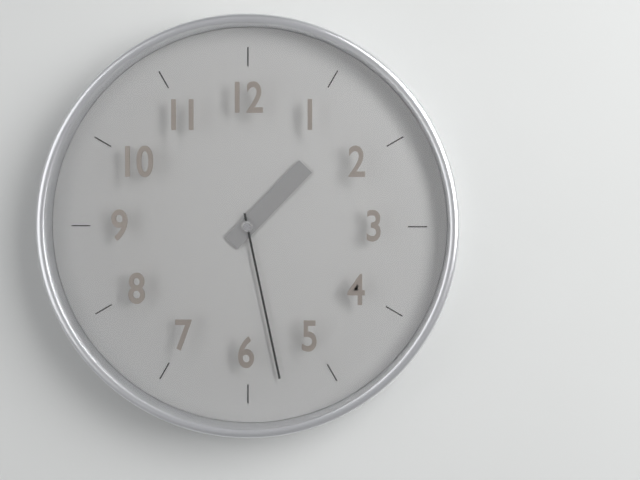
1:28
